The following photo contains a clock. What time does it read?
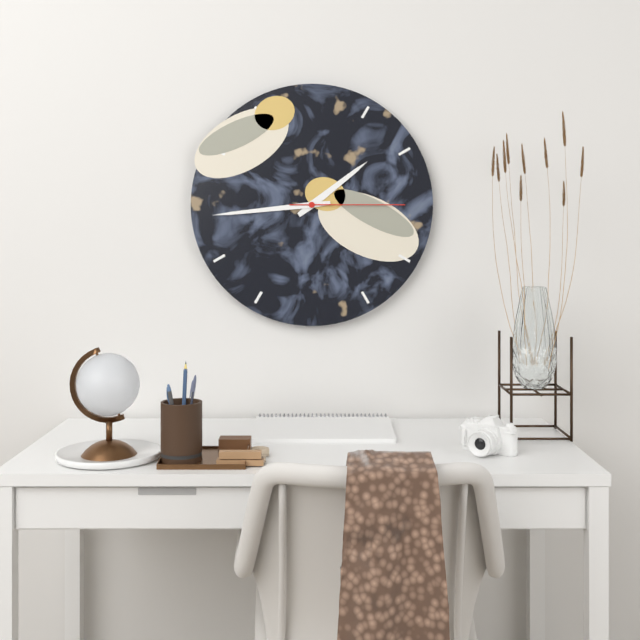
1:44:15
